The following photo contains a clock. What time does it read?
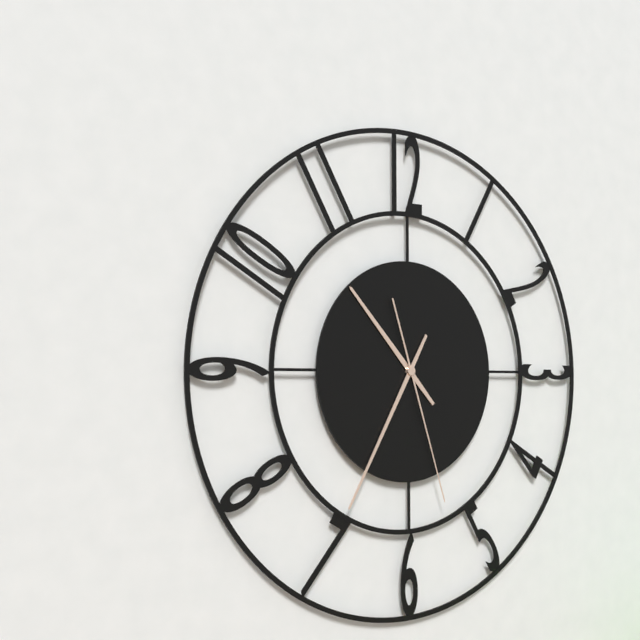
10:35:27
